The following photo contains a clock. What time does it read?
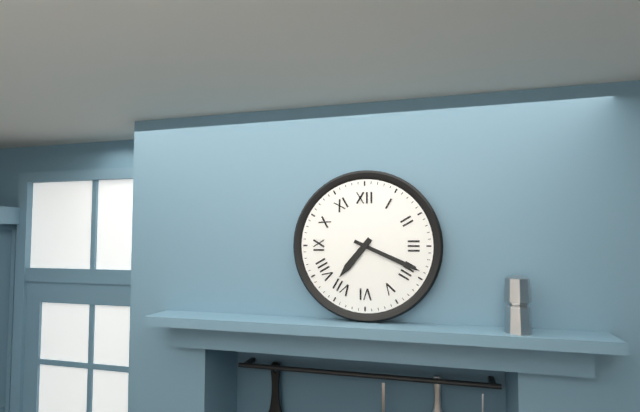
7:19
